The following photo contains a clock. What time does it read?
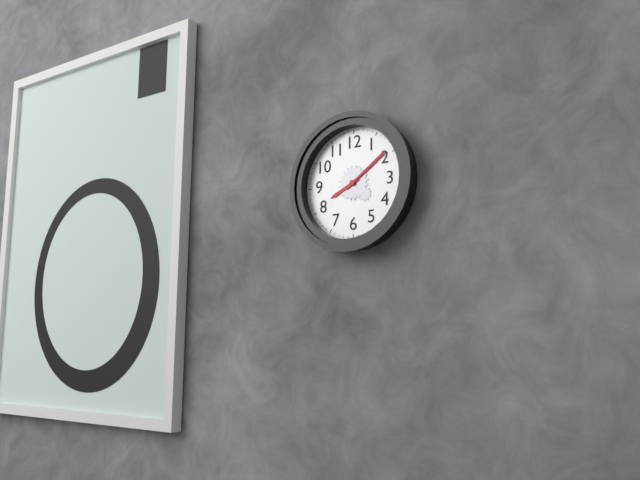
8:09
